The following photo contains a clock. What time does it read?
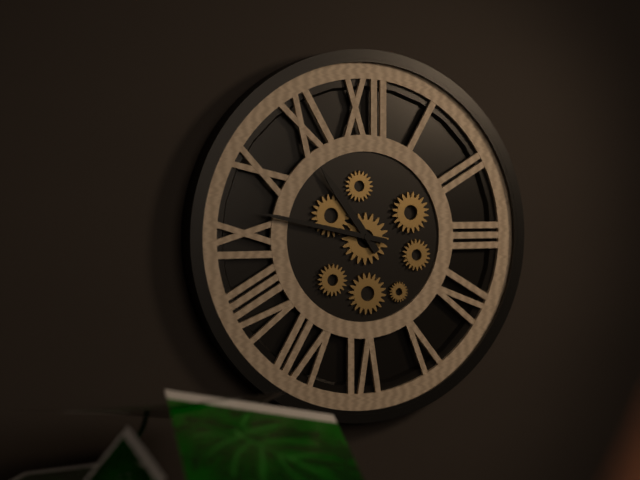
10:47
